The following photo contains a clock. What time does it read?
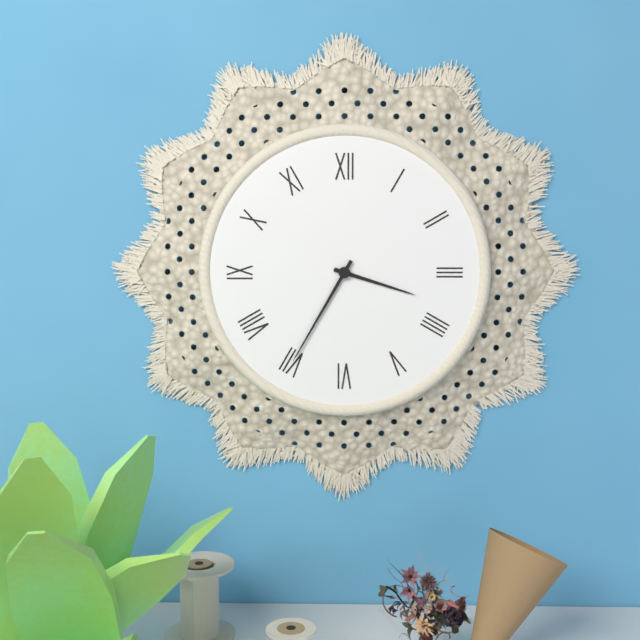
3:35
